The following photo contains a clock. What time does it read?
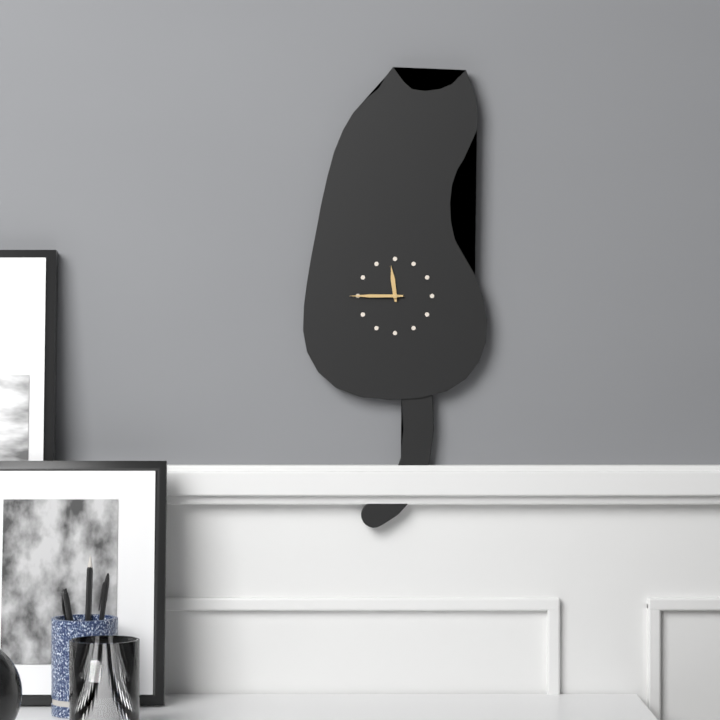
11:45
